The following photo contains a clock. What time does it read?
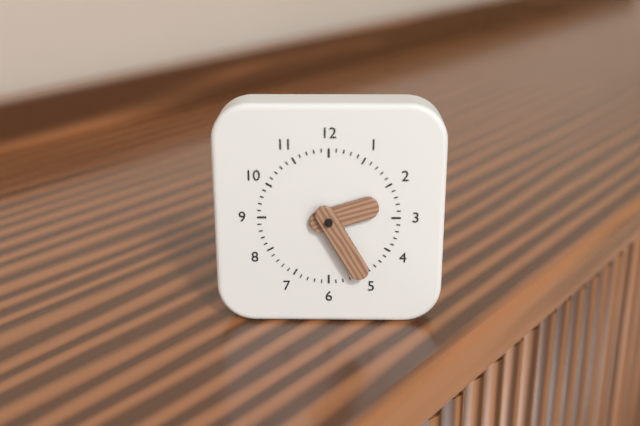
2:25
